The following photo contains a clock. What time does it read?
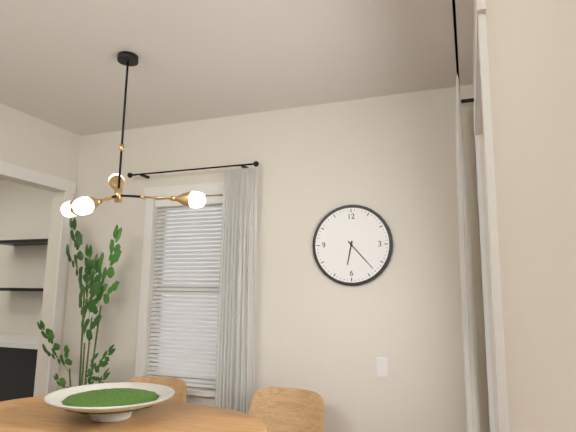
6:23
